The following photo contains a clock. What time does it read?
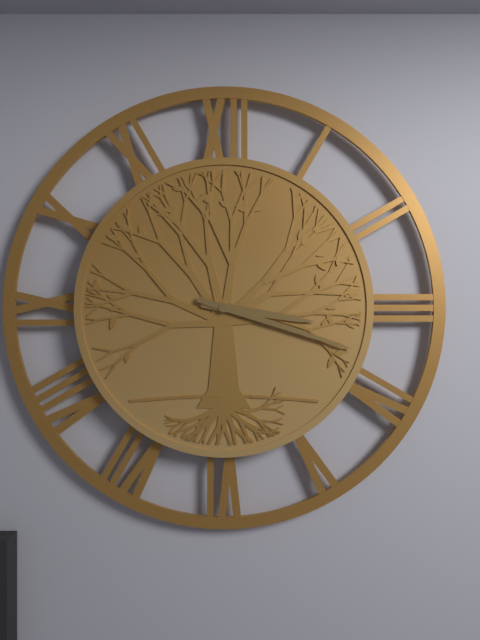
3:18
